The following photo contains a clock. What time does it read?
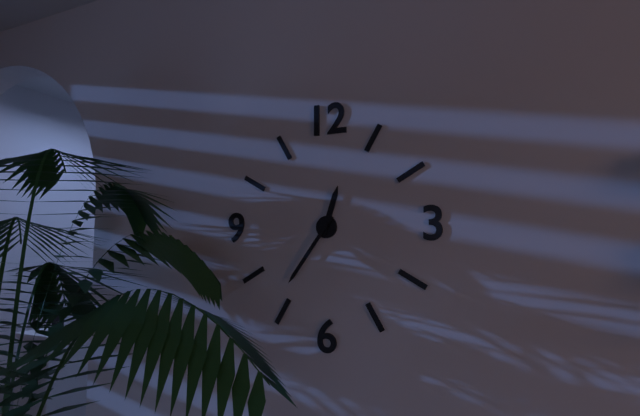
12:36
